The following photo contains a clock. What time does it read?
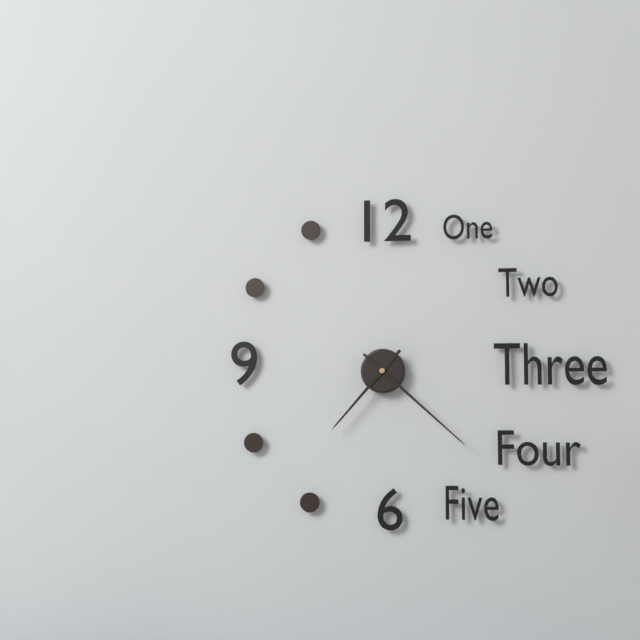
7:22
